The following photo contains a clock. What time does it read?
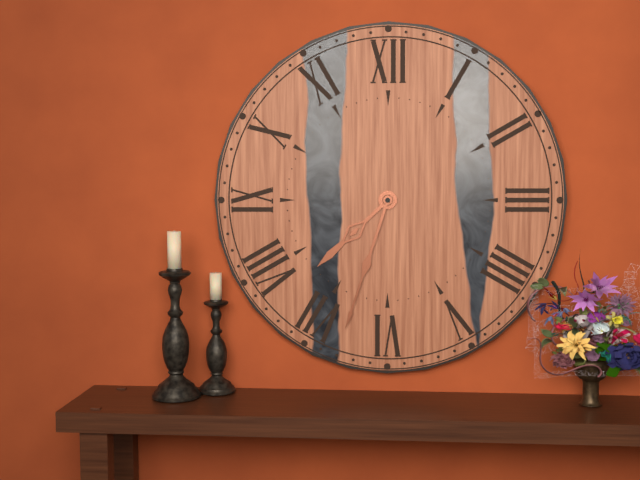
7:33
